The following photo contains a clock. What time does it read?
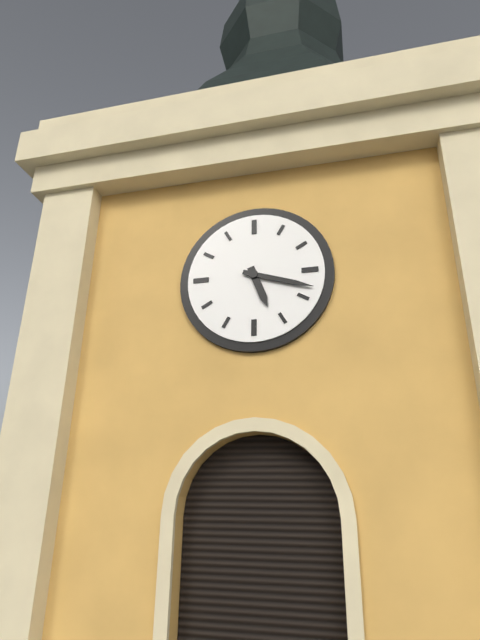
5:18
